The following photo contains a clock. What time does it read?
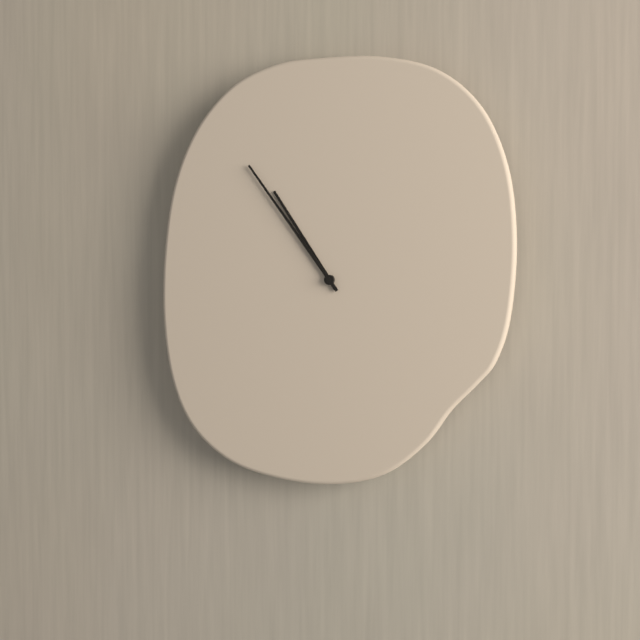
10:54
